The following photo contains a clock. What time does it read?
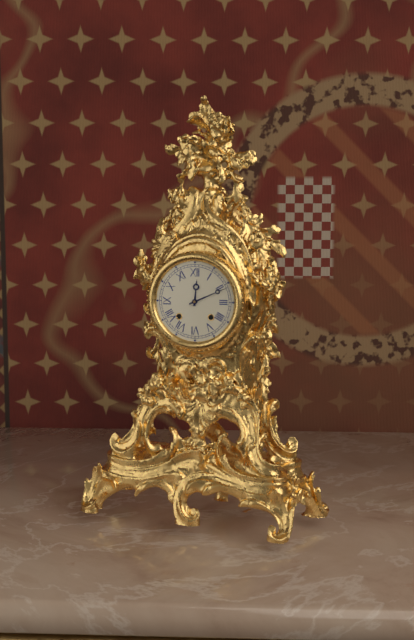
12:11
